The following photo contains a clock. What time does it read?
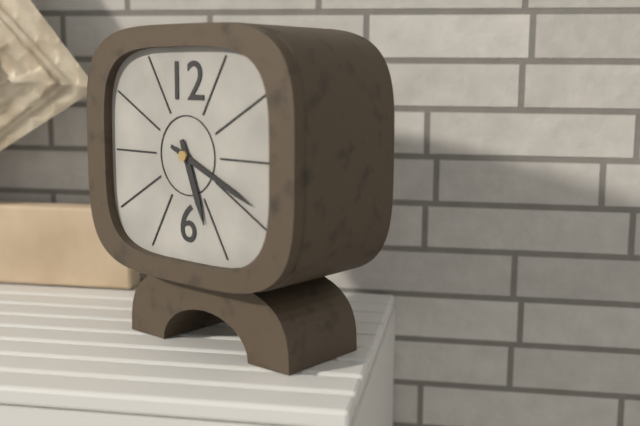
5:19
